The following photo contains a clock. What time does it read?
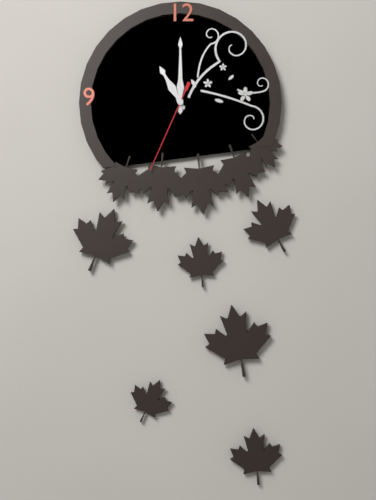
11:00:34
